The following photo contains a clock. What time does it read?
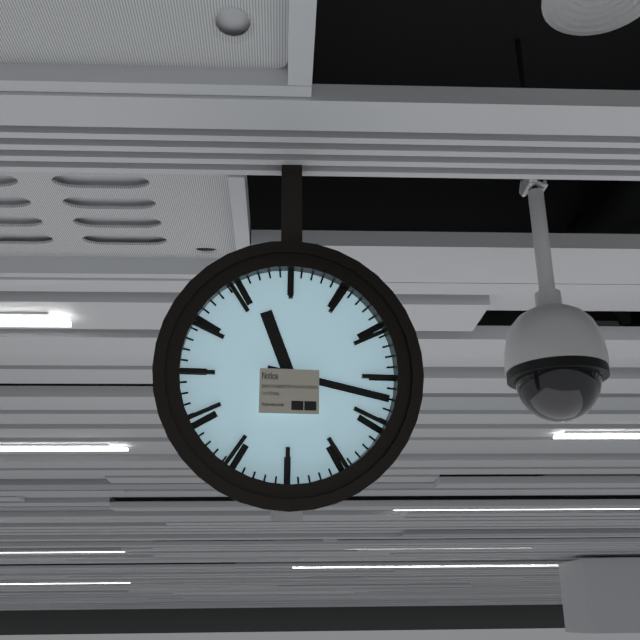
11:17
